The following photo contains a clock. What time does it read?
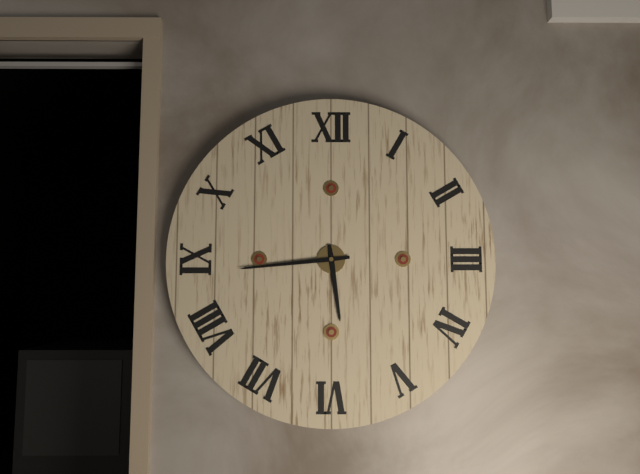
5:44
